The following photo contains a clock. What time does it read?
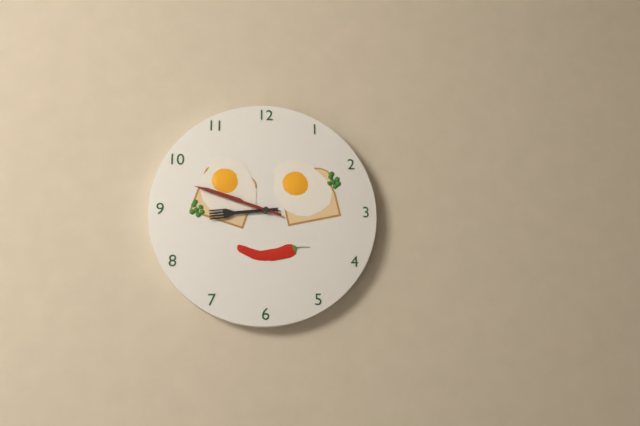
8:48
